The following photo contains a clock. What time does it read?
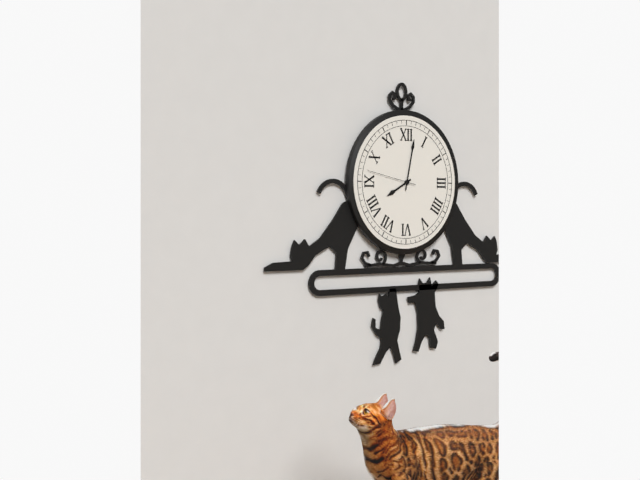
8:02
